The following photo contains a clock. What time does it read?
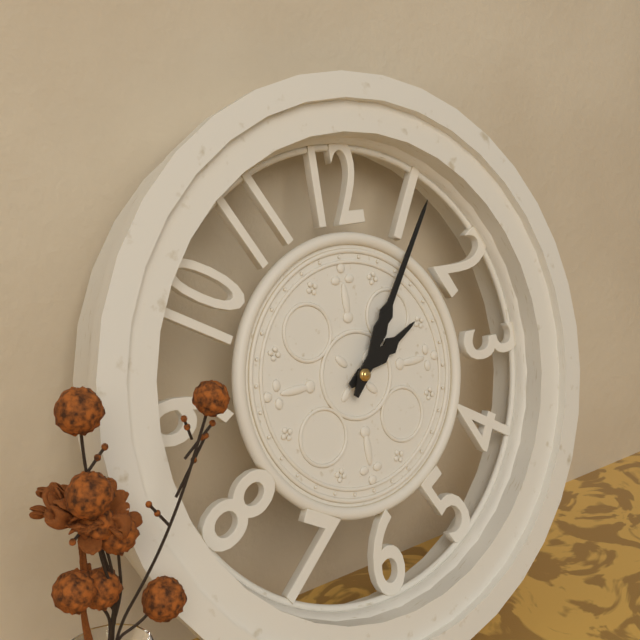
2:06
